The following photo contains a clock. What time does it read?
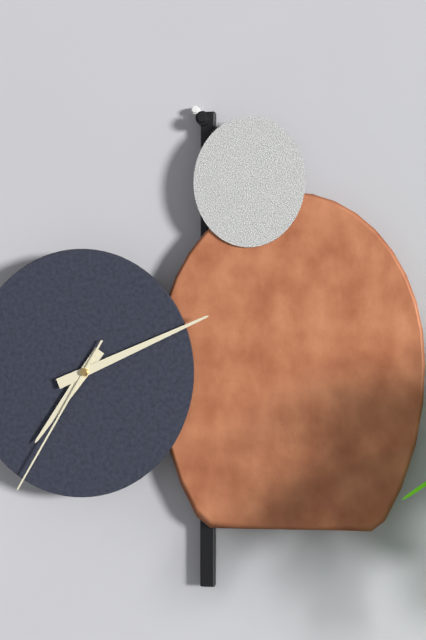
7:11:35
